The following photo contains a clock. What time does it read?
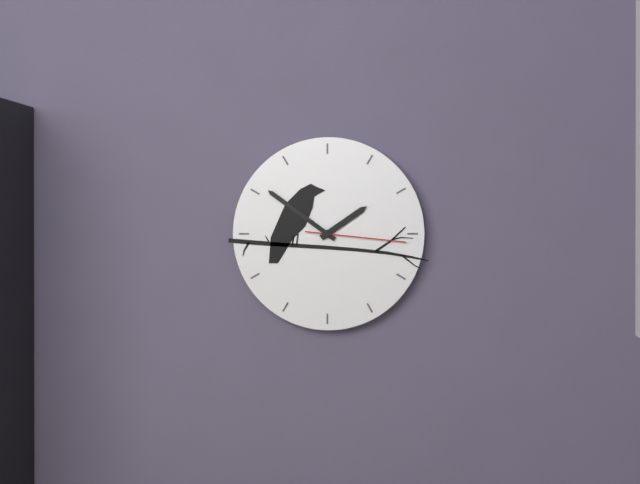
1:51:16
